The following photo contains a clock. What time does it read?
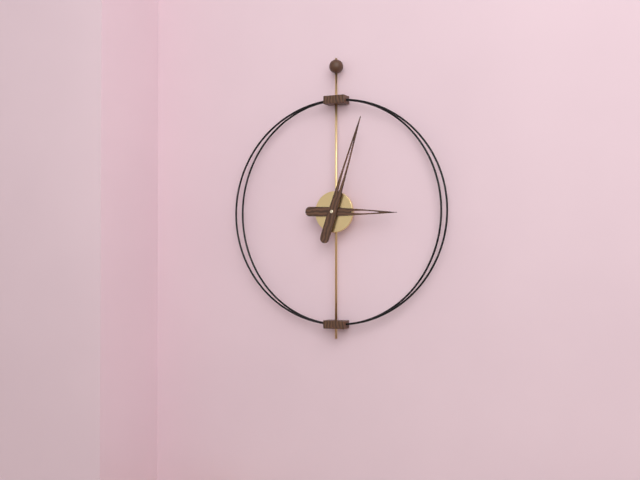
3:03
